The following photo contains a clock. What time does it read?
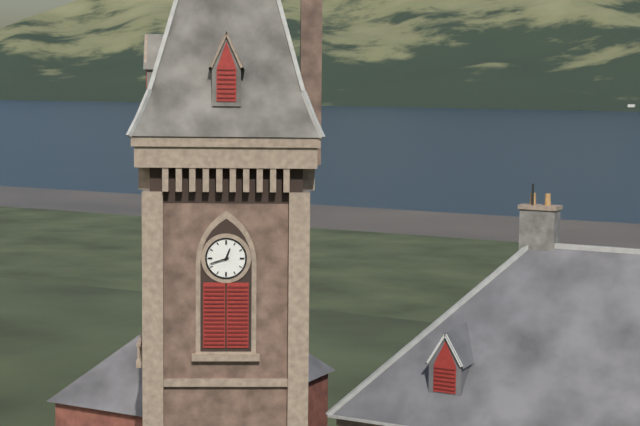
12:42
